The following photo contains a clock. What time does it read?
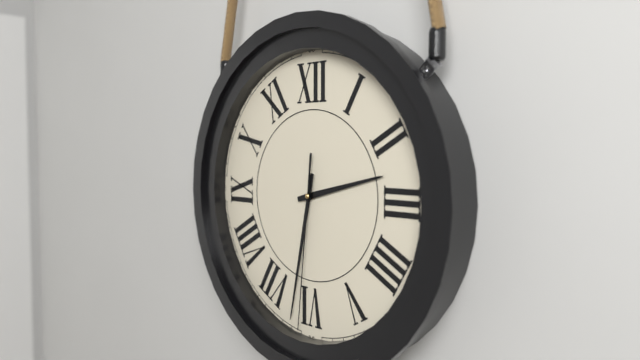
2:32:31
